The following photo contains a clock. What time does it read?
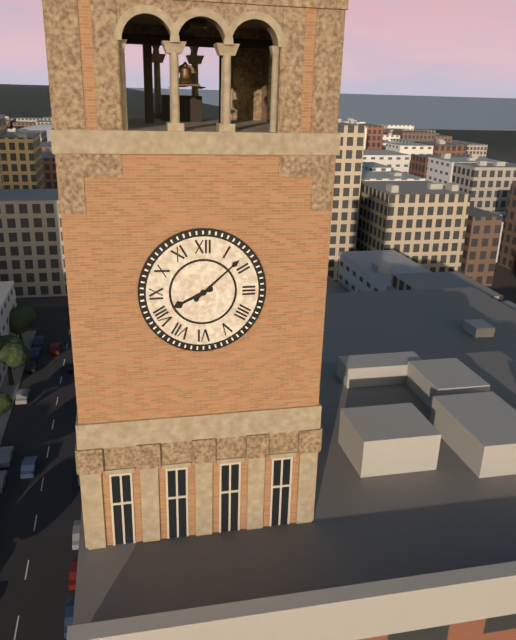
8:08
